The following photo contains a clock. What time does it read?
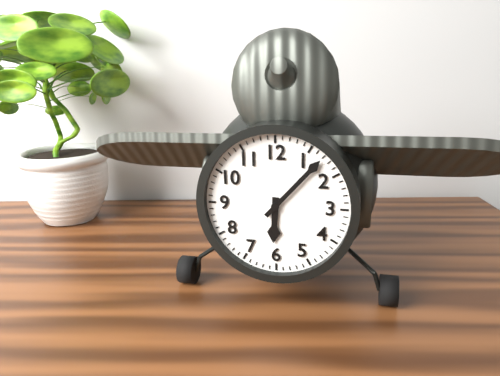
6:07
